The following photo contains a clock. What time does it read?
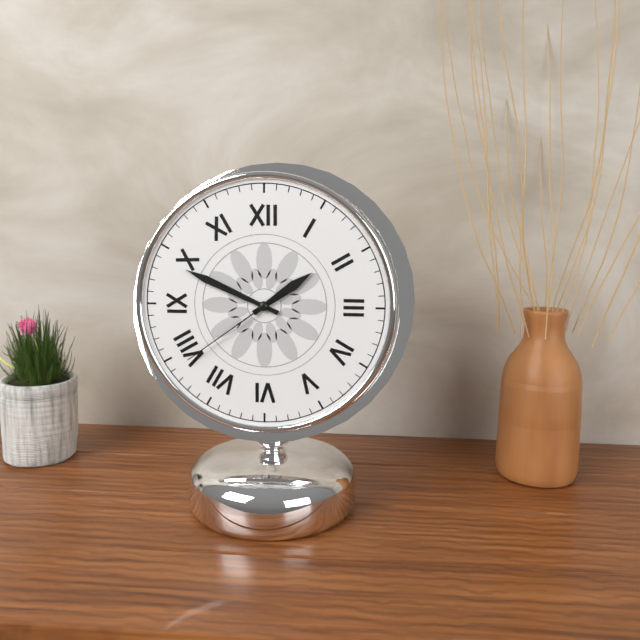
1:49:39
